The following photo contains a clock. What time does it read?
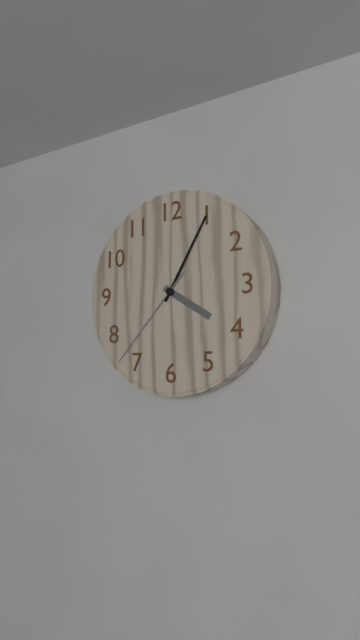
4:05:37
